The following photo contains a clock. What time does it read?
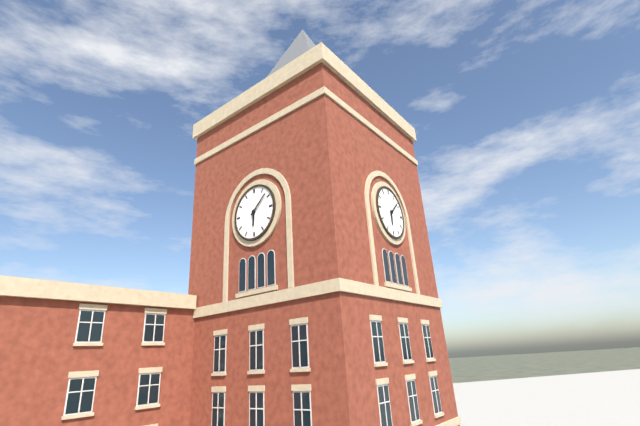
6:08
